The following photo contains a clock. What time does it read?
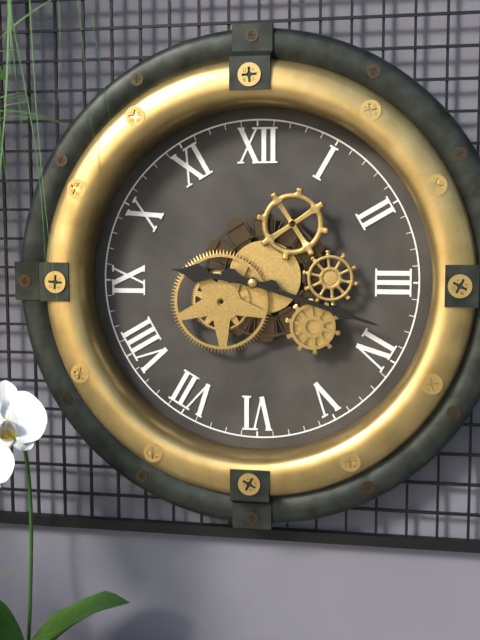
9:18
